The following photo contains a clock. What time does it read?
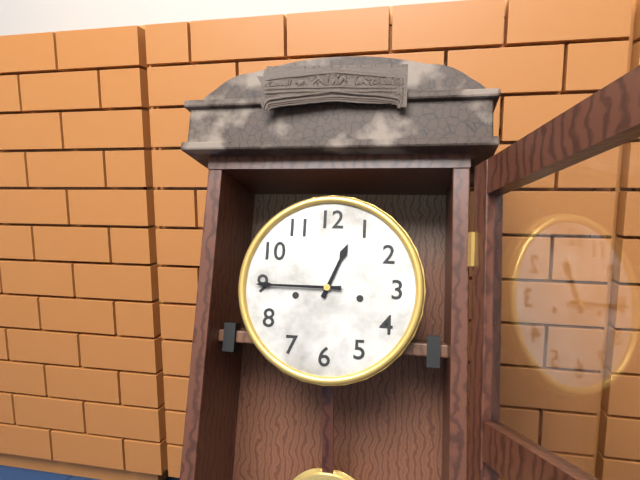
12:45
